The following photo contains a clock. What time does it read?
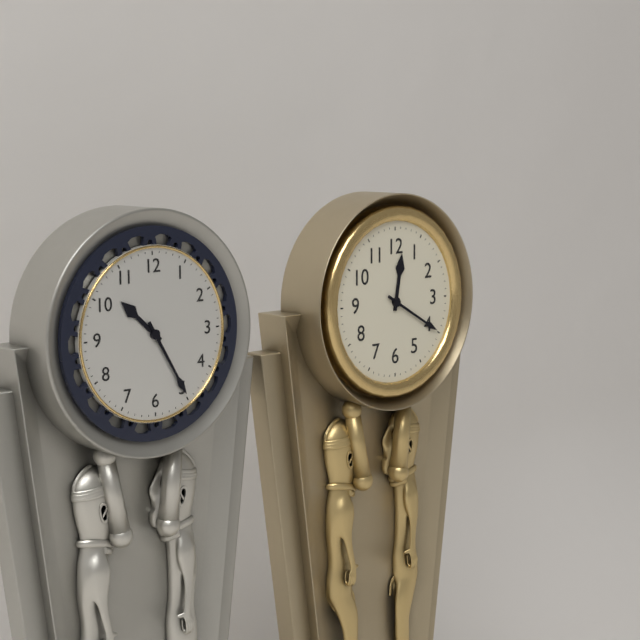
12:20
